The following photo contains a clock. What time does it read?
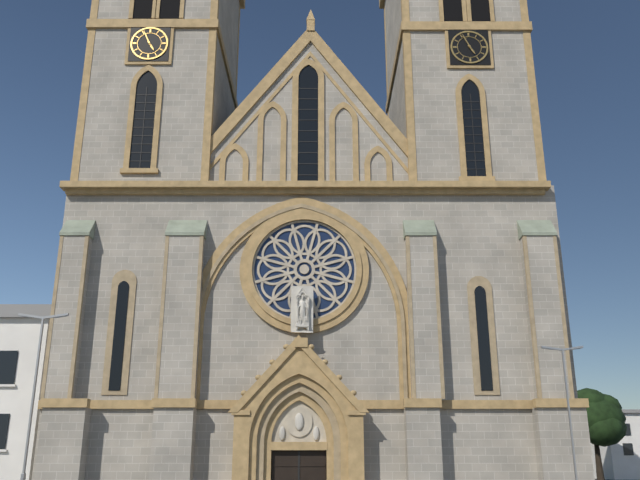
4:56
